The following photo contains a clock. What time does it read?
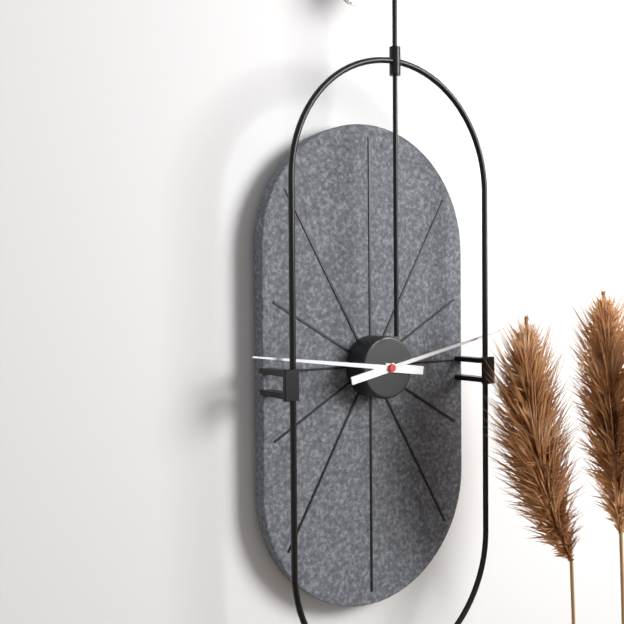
9:13
